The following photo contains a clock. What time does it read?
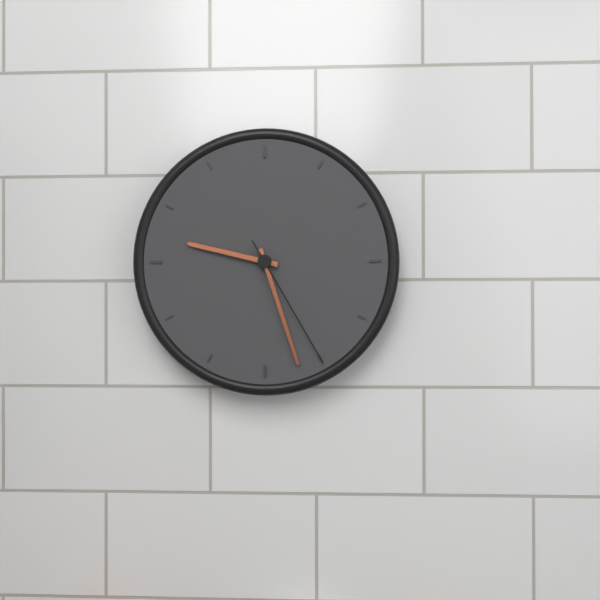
9:27:25
